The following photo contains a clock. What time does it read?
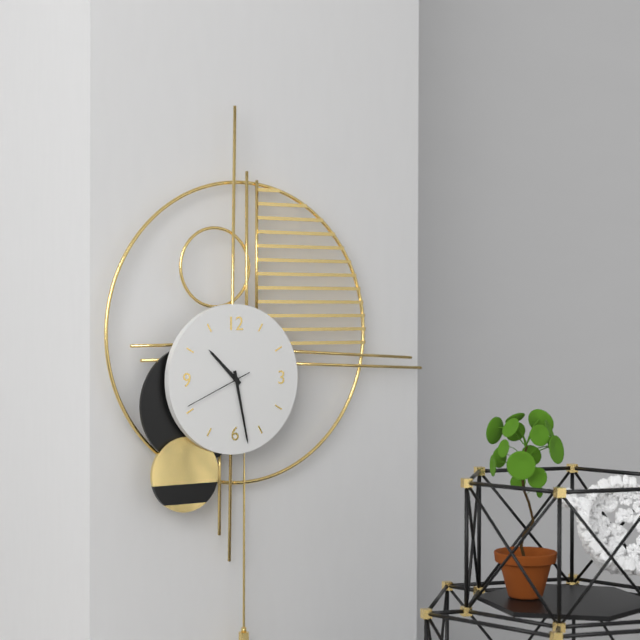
10:28:41
